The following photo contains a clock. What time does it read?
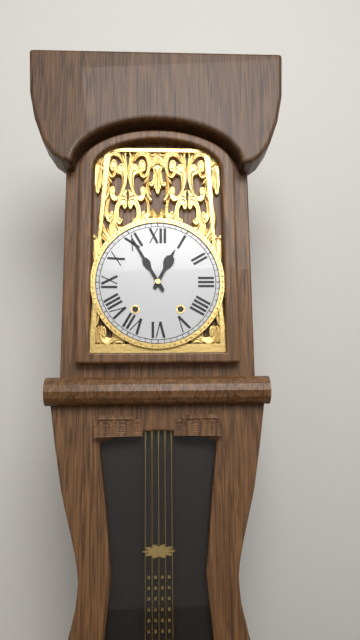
12:55
